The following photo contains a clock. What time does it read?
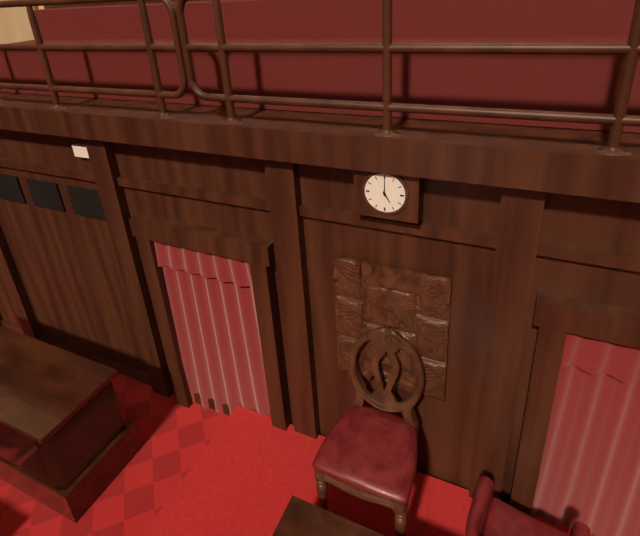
5:00
